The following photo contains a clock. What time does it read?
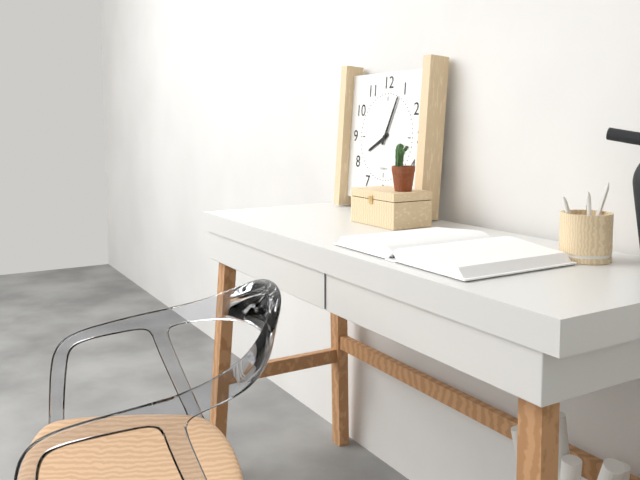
8:04
